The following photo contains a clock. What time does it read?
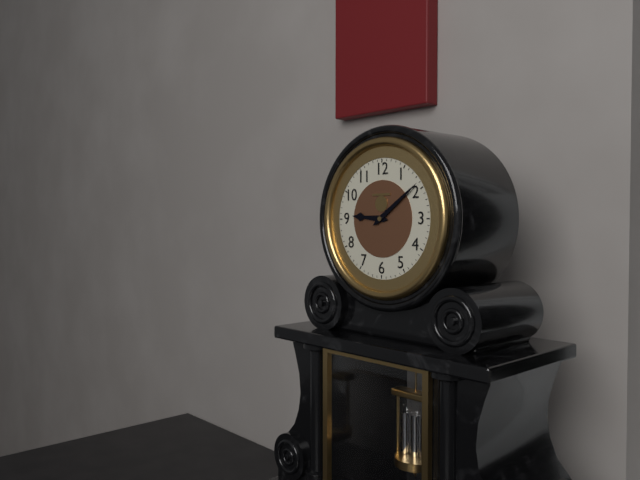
9:09
